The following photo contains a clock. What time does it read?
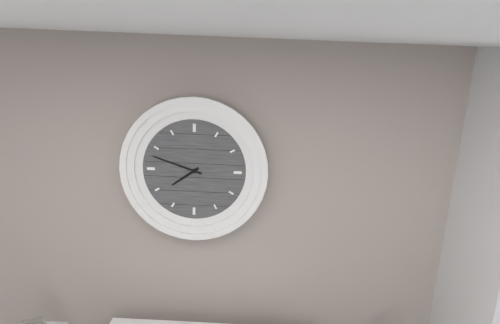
7:48
